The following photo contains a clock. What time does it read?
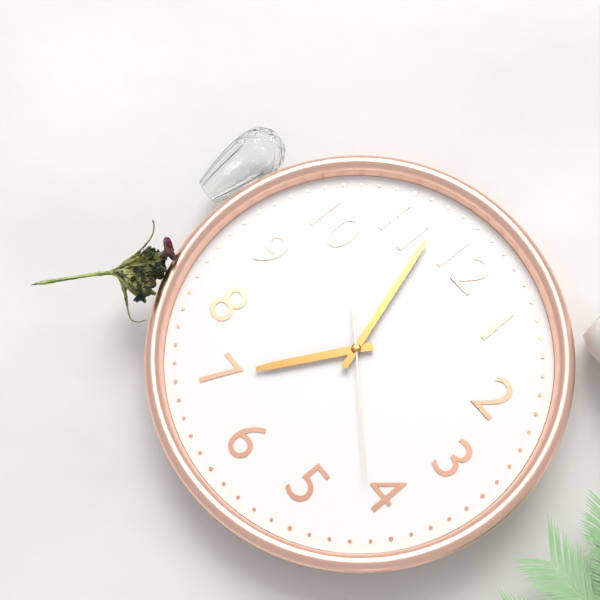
6:57:21
